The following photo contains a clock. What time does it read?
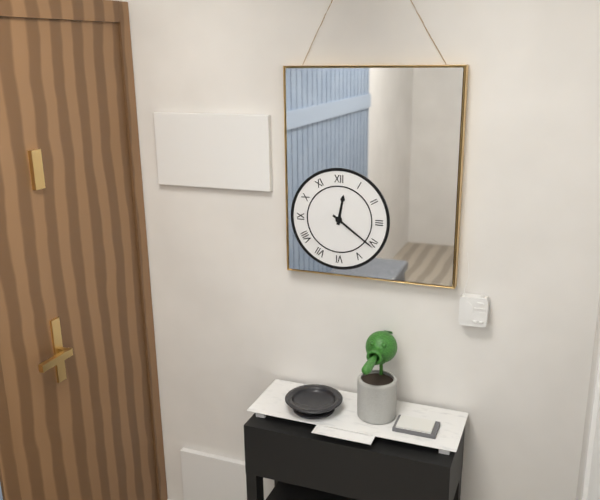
12:21
